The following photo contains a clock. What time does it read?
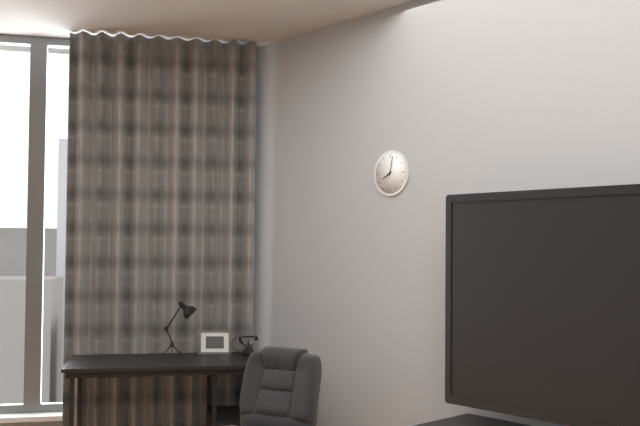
8:02
